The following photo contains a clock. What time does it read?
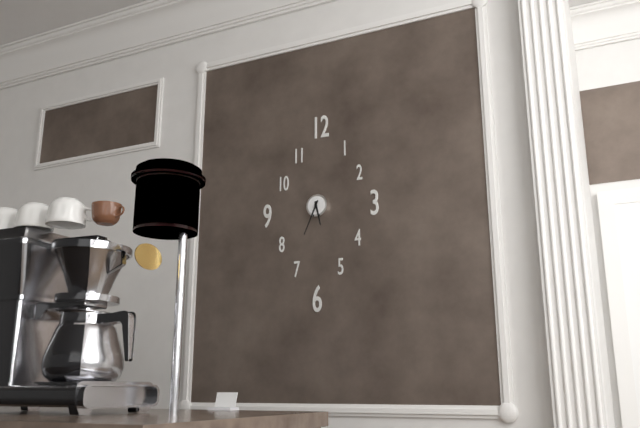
5:34
